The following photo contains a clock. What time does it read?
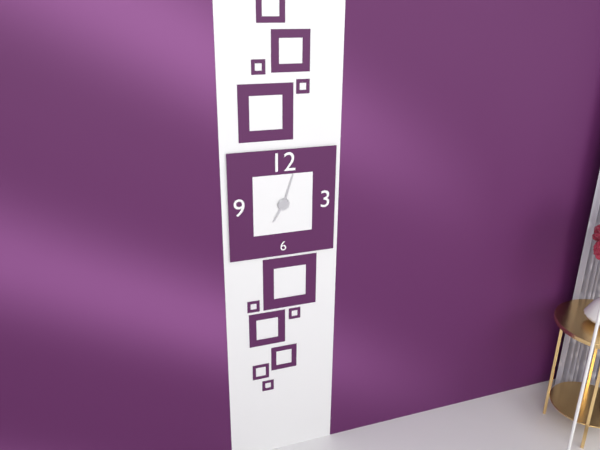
7:03
